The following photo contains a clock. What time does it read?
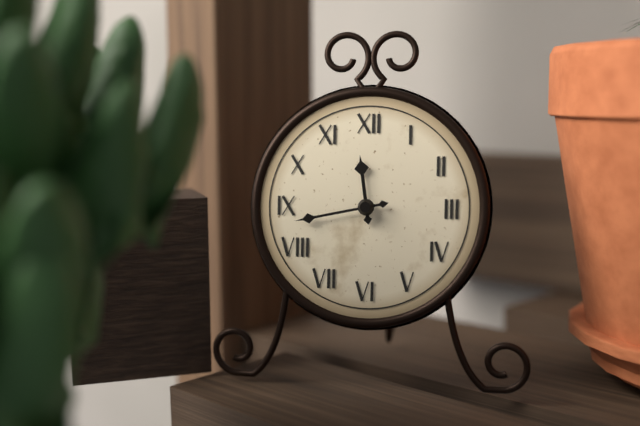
11:43
